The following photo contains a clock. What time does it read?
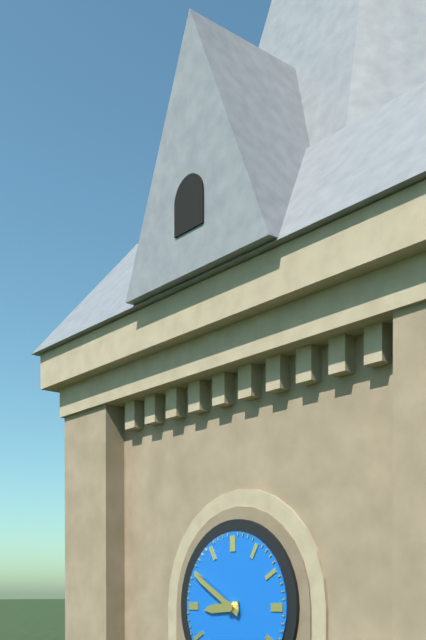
8:50
